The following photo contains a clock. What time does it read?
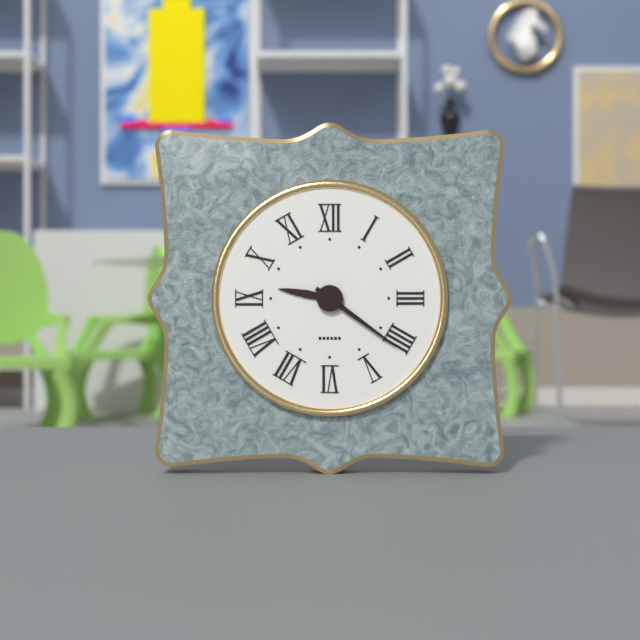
9:21
